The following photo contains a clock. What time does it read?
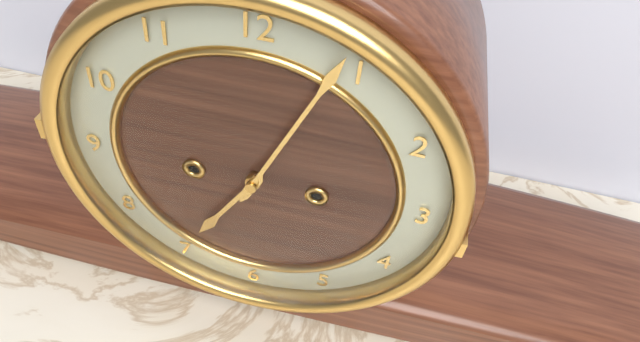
7:04
